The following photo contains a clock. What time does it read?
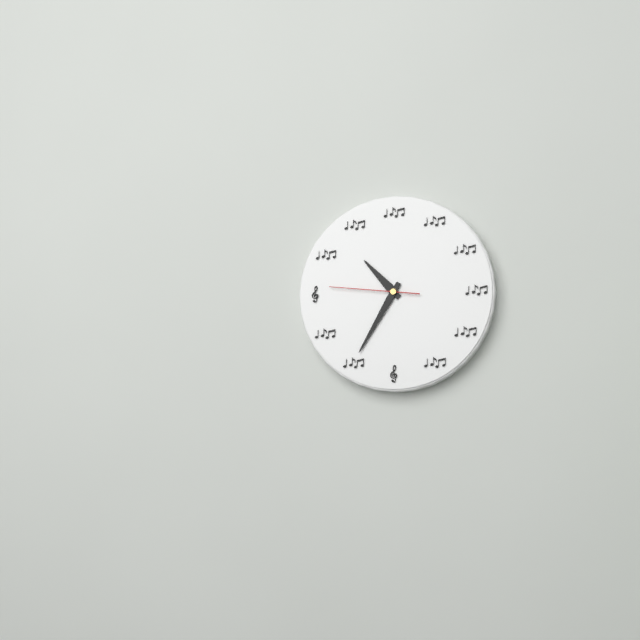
10:35:46
